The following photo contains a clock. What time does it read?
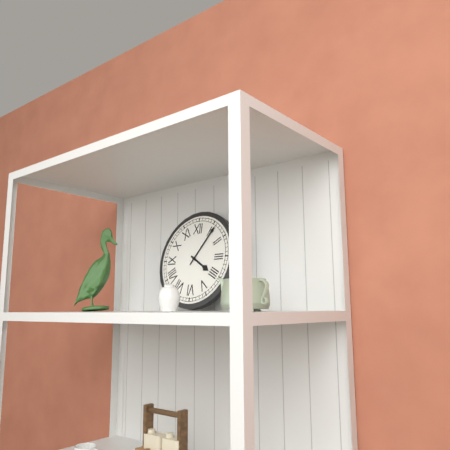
4:06
